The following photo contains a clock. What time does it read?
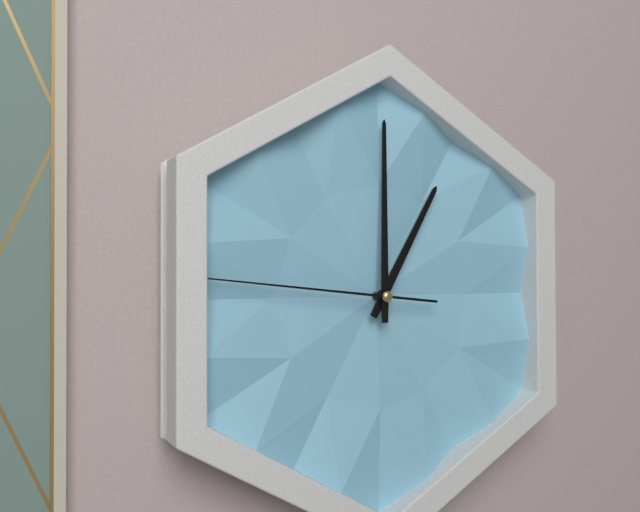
1:00:46
